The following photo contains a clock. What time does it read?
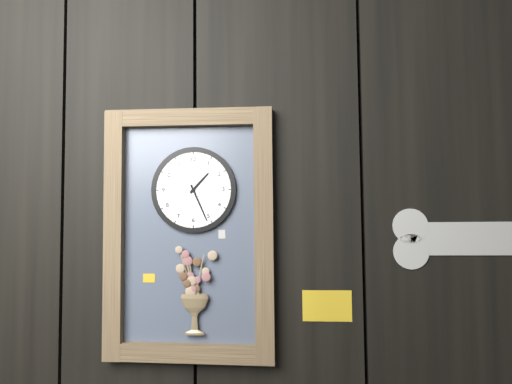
1:26
